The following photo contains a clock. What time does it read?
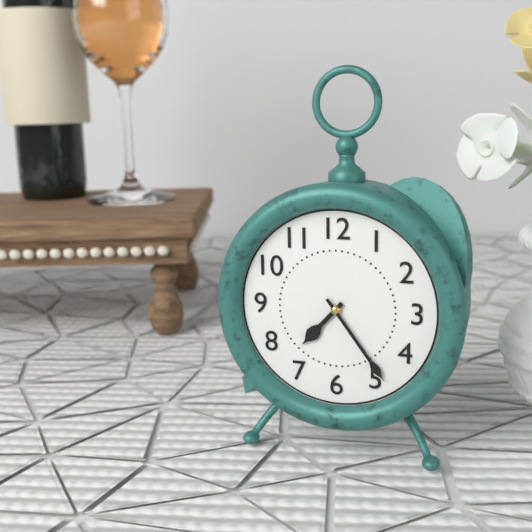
7:24
